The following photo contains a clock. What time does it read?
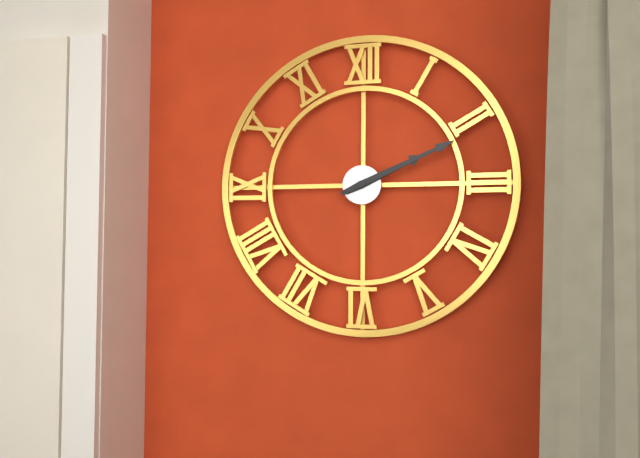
2:11
